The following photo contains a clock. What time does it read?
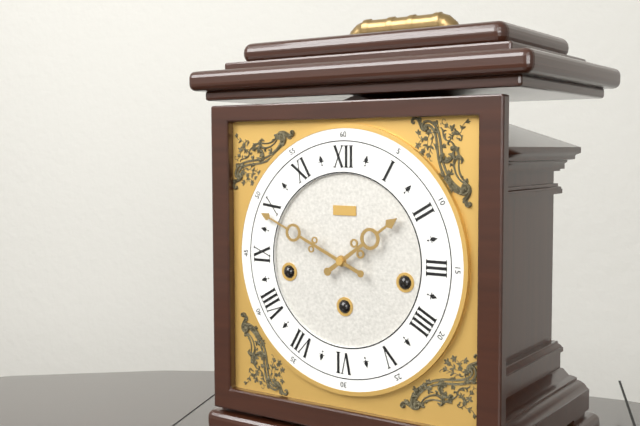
1:49
